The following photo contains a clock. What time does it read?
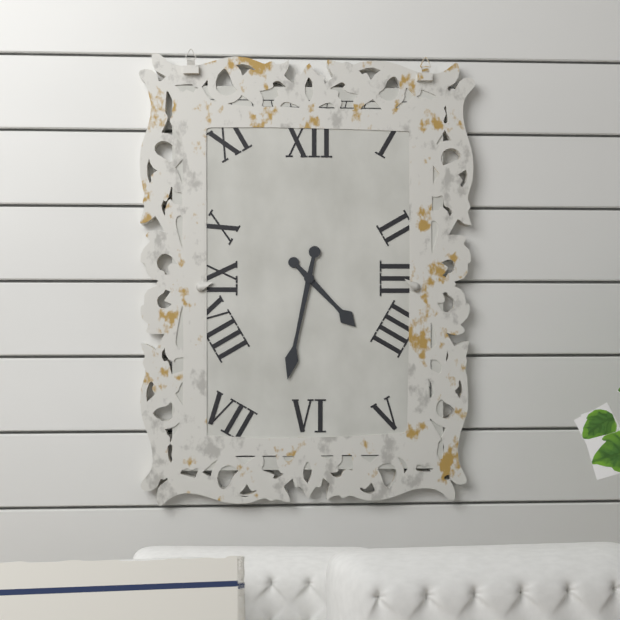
4:32
